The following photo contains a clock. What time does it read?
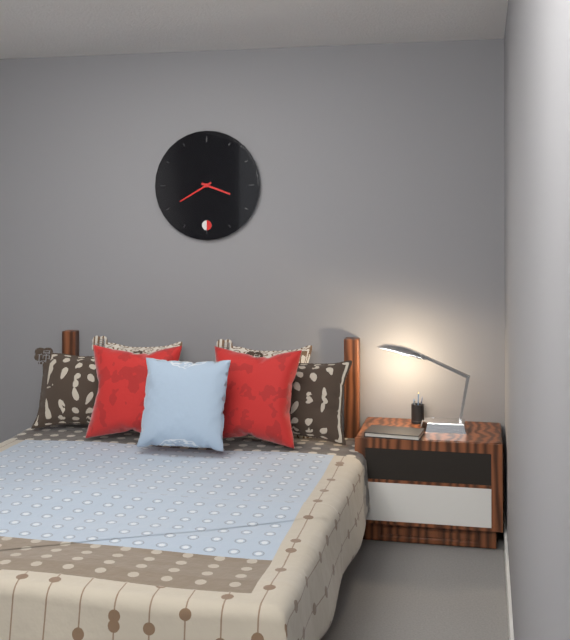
3:40
